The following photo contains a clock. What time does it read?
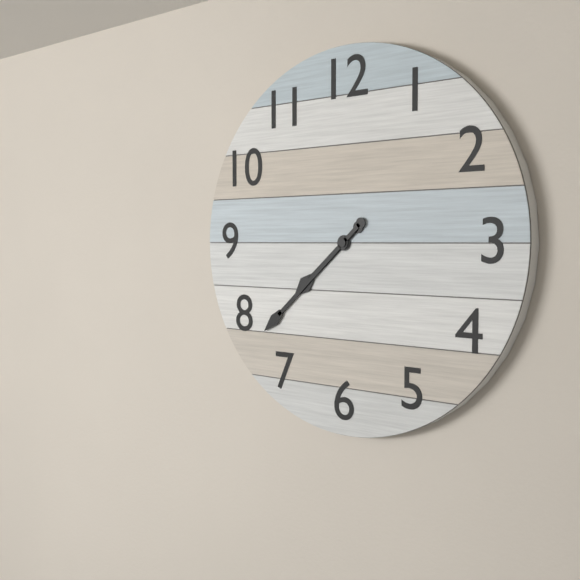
7:38
